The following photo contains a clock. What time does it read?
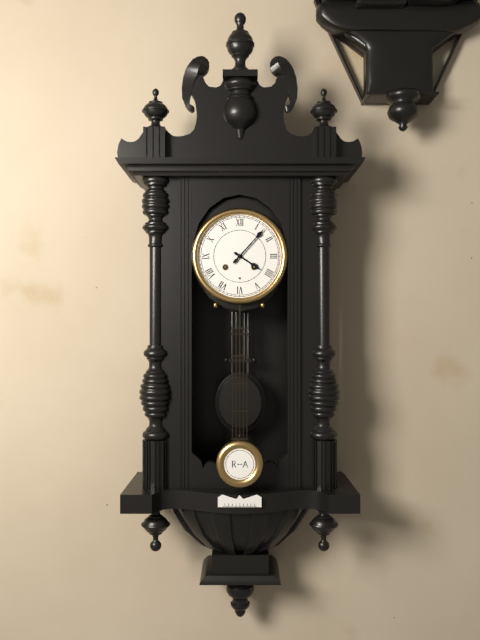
4:07
